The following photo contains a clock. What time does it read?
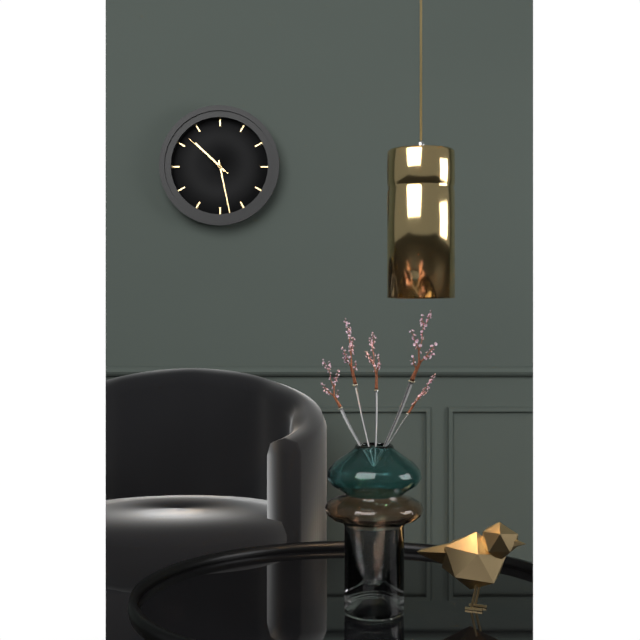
10:28:52
